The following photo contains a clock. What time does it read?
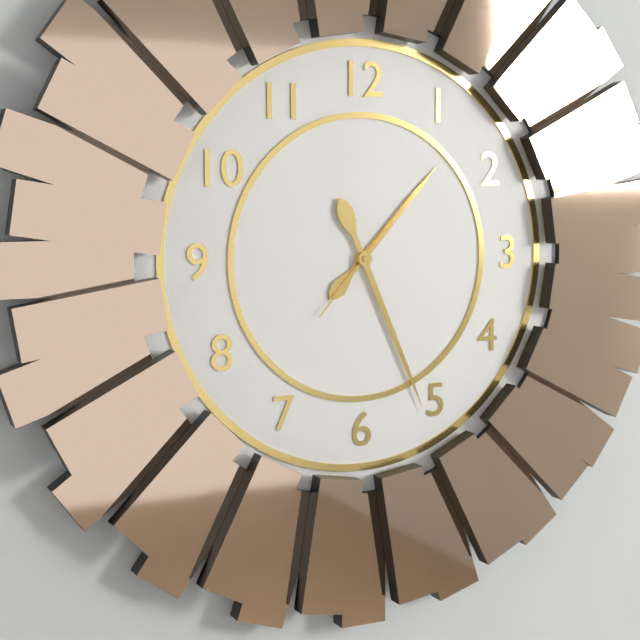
1:26:07
